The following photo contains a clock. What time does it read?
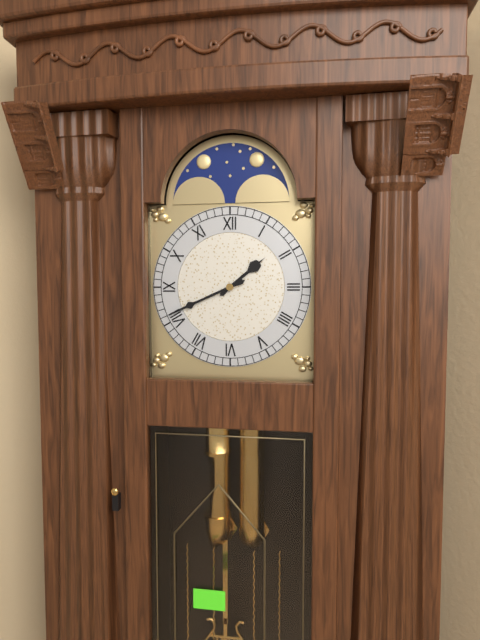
1:41
